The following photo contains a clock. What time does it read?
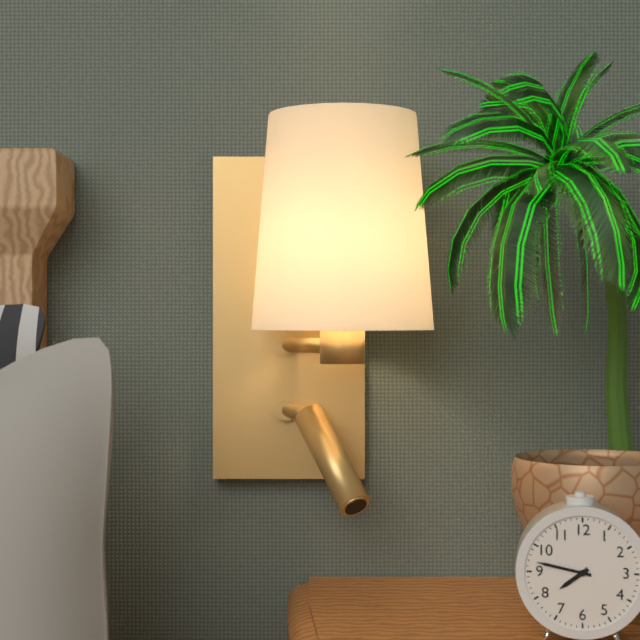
7:47
